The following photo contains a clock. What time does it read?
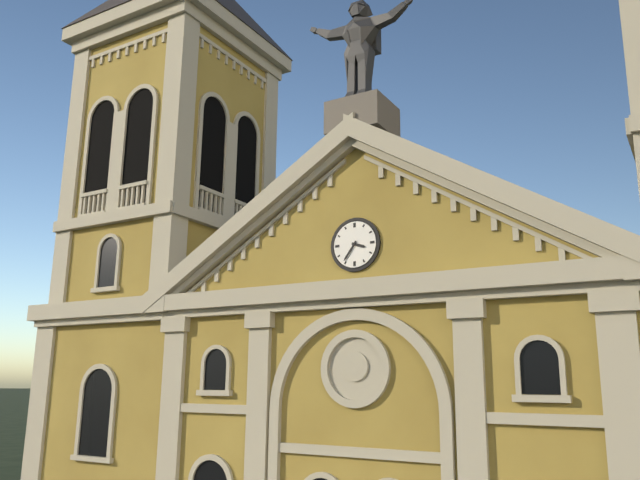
3:36
